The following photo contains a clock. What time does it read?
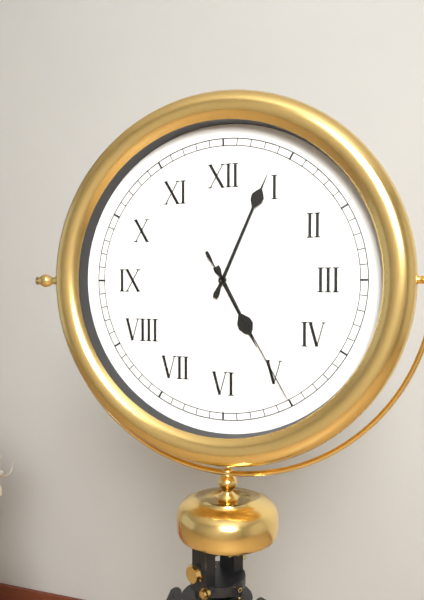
5:04:25
